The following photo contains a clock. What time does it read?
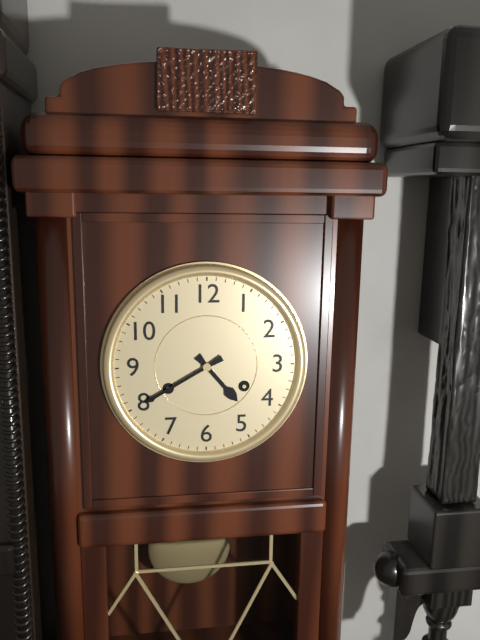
4:40
